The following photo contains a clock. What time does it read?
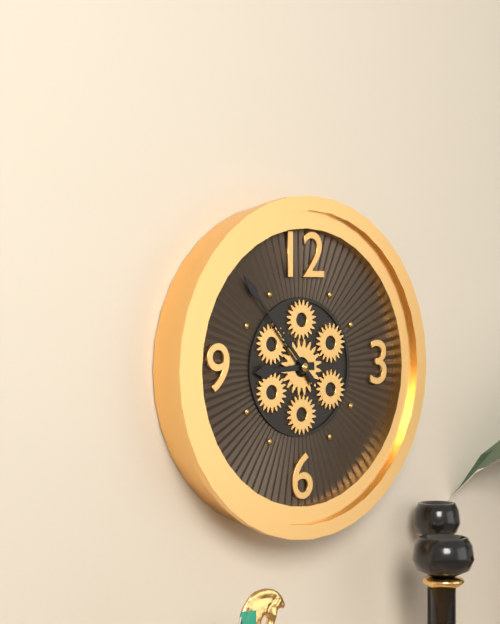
8:53
